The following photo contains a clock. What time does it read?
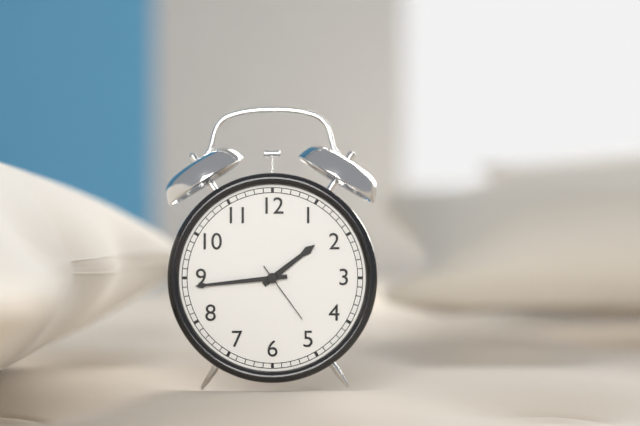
1:44:24
